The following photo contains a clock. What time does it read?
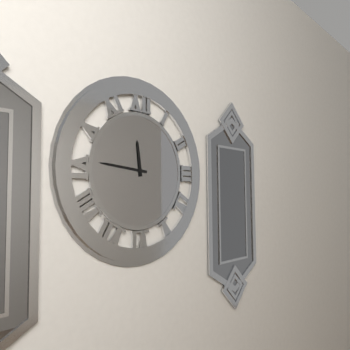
11:46
